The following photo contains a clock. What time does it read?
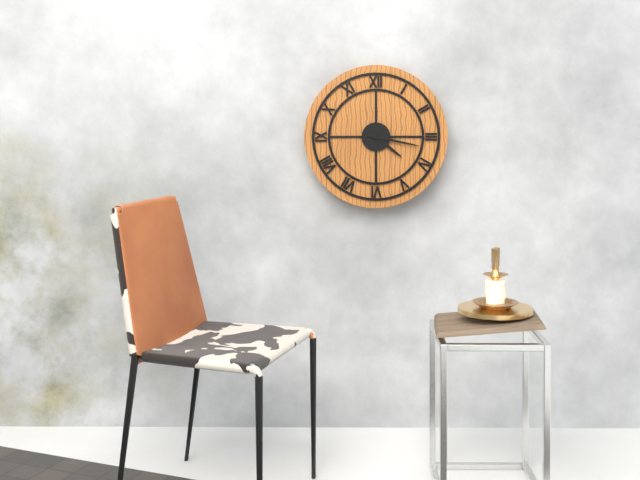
4:17
